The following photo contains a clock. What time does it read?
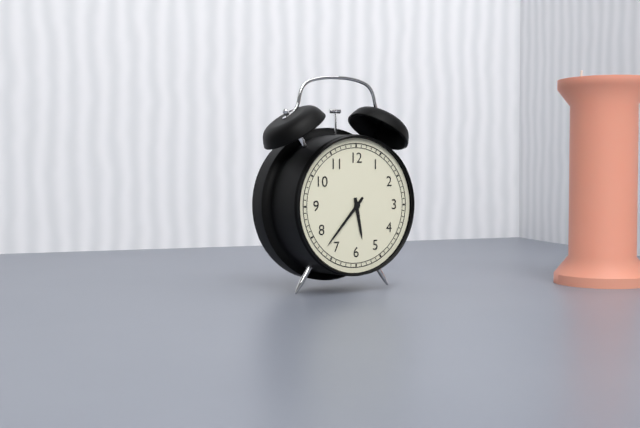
5:37
